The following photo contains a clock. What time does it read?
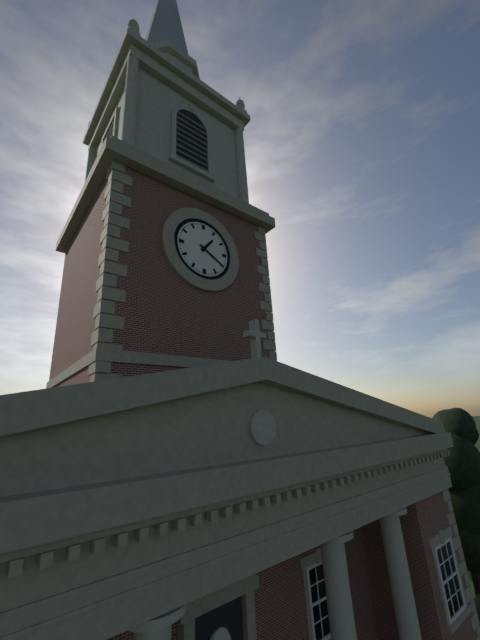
1:20
